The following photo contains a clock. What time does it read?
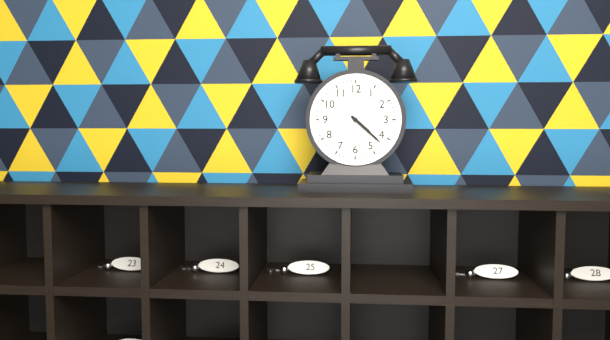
4:22
